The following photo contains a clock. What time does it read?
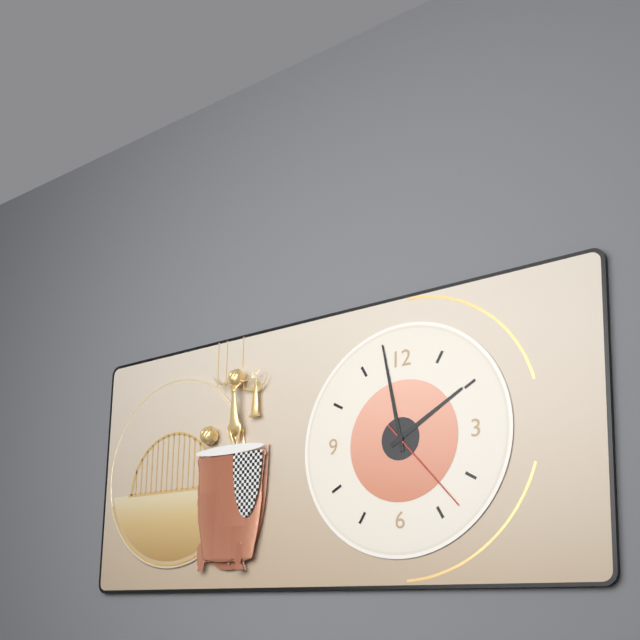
1:58:23
